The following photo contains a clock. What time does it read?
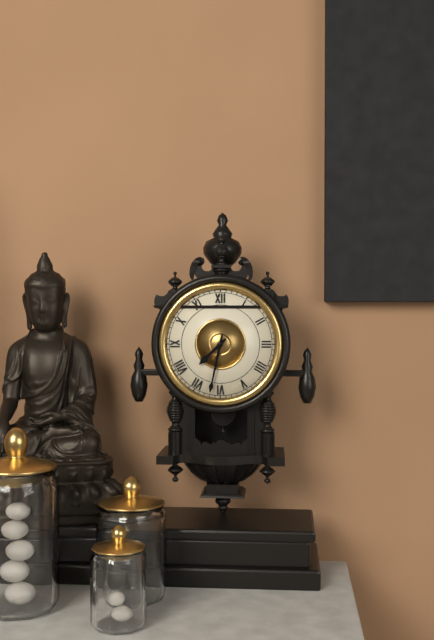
7:32
